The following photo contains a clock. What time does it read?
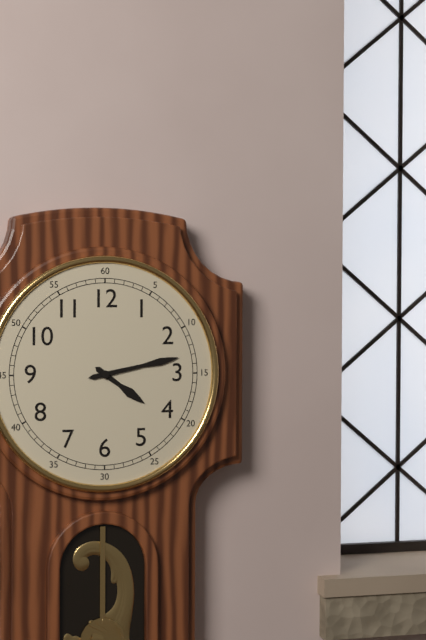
4:13
